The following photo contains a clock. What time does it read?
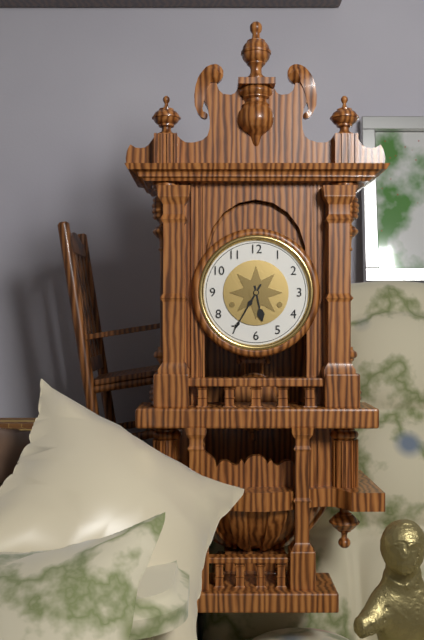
5:35
